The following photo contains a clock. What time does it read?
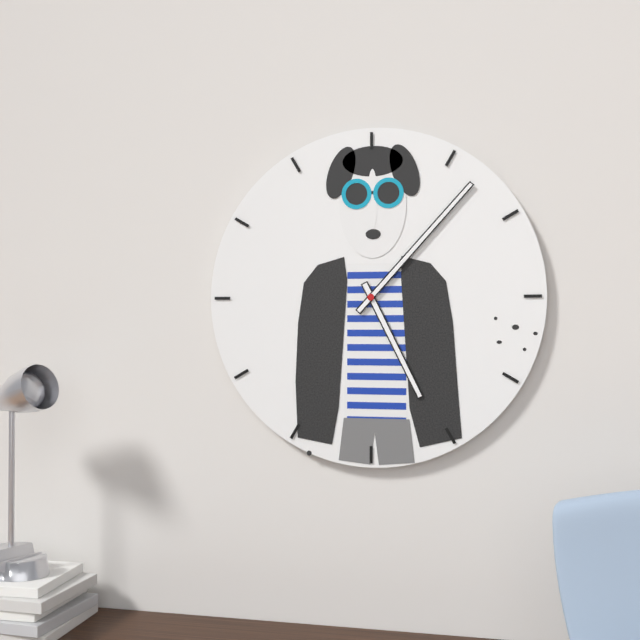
5:07
